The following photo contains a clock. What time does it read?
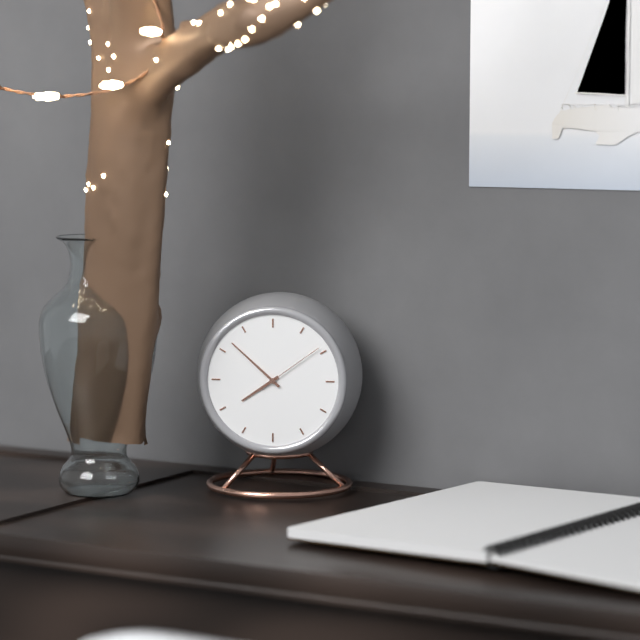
7:52:09
